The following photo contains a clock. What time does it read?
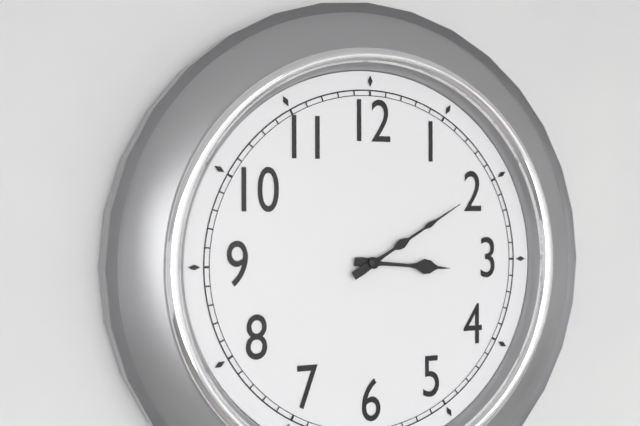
3:10
